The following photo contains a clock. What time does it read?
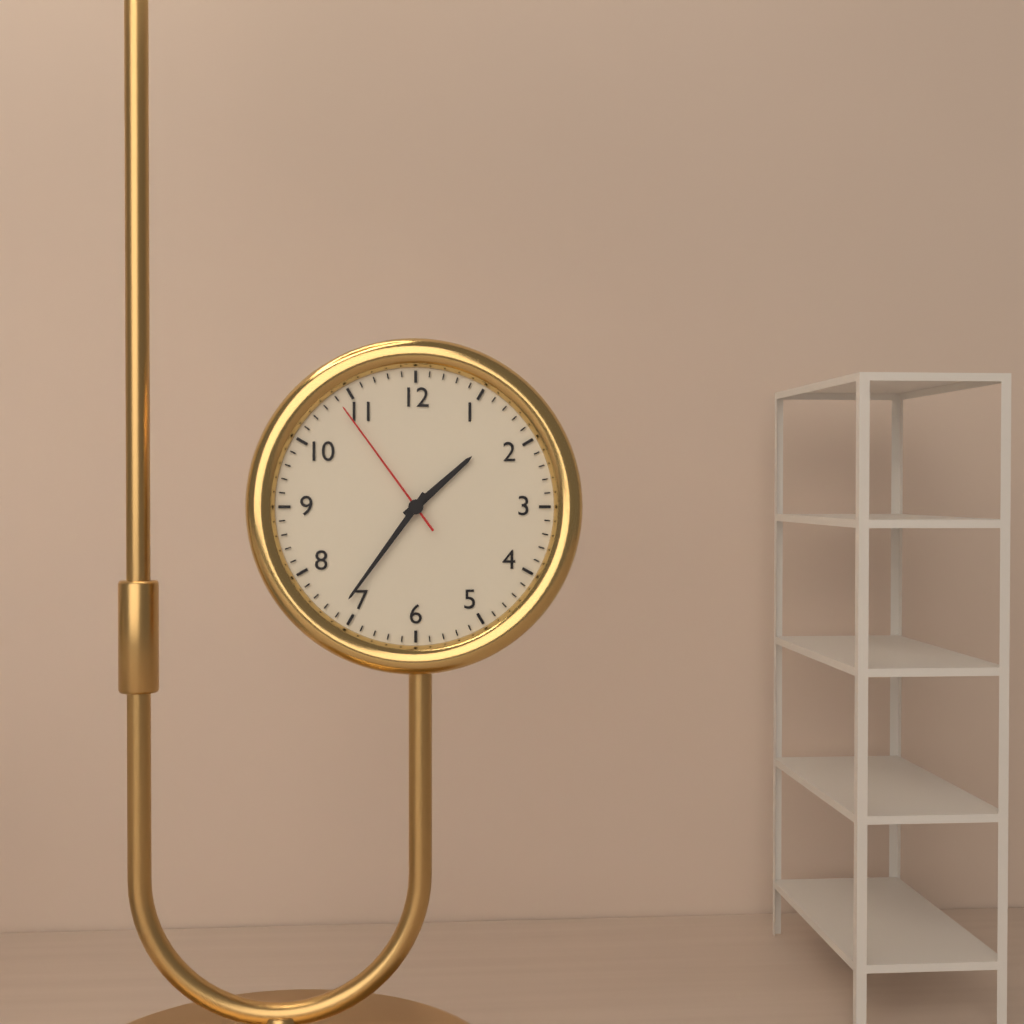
1:36:54
